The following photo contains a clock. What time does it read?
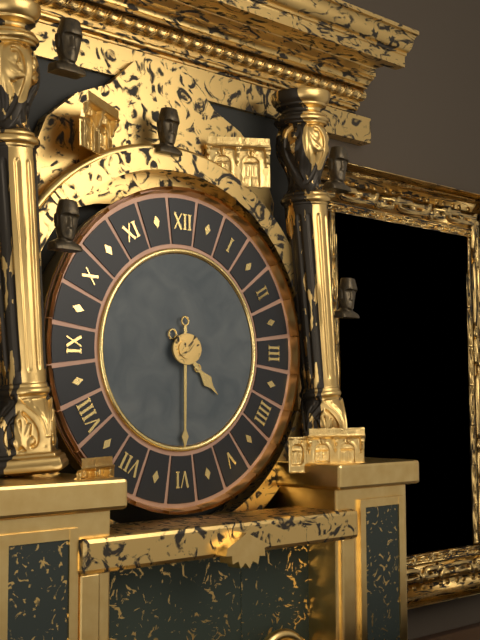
4:30
